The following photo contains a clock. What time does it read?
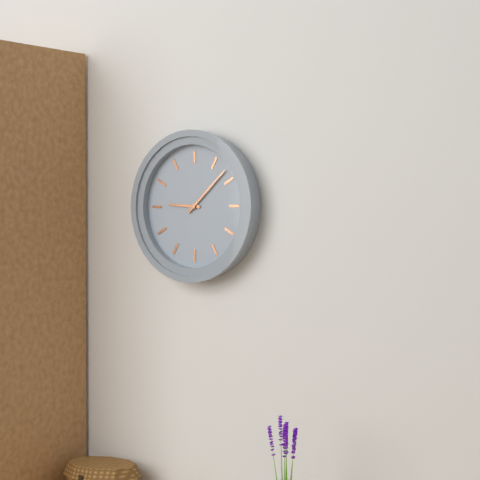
9:08
